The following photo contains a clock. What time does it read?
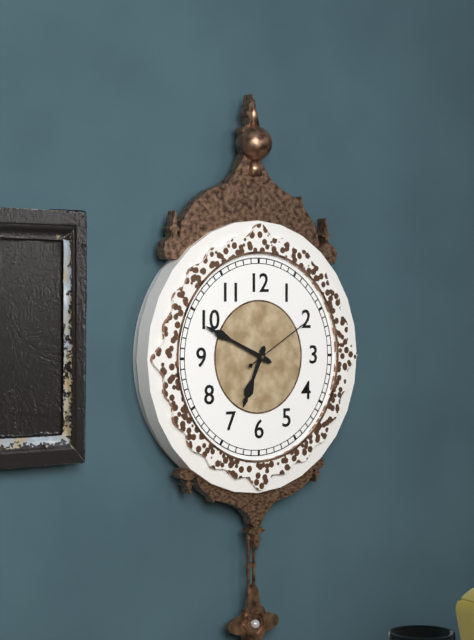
6:49:10
